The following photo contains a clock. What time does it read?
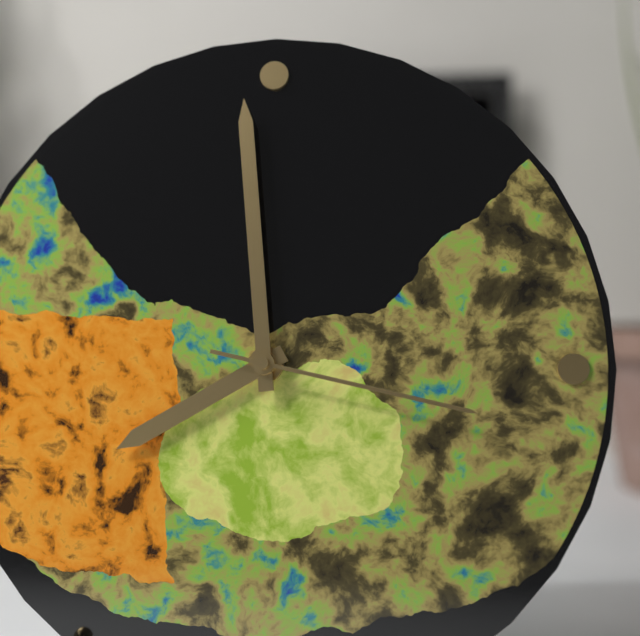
7:59:17
